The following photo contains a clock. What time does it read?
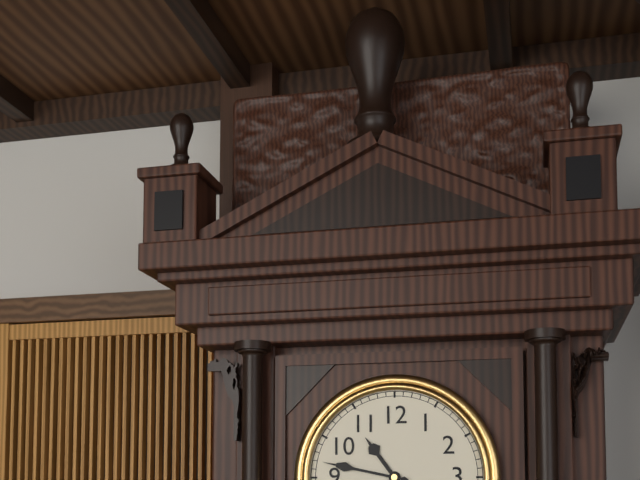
10:47
